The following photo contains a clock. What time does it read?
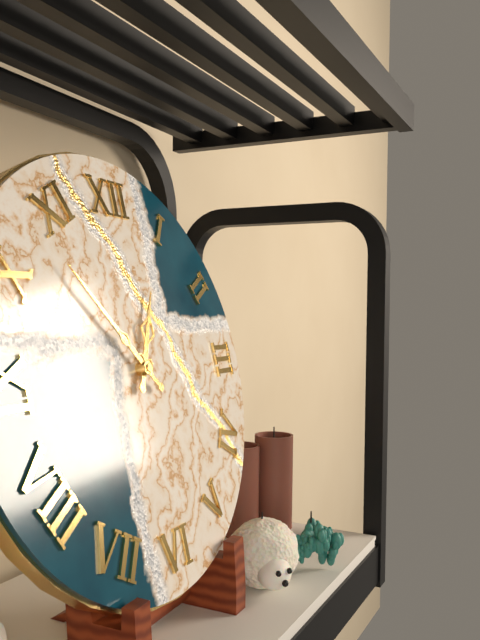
12:53
